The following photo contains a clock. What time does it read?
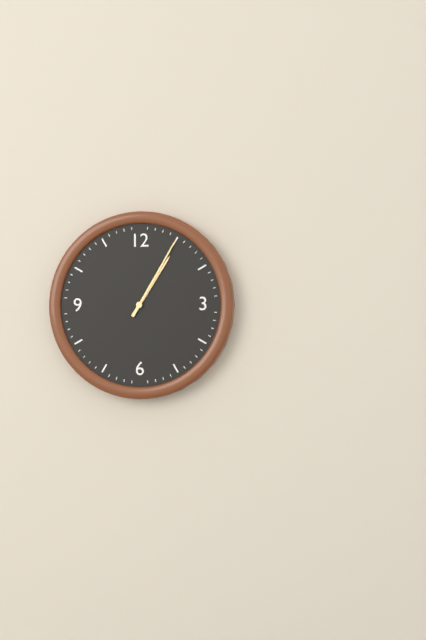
1:05
